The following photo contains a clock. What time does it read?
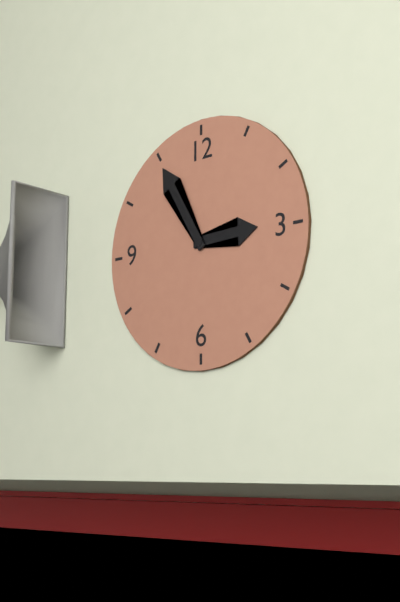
2:55
